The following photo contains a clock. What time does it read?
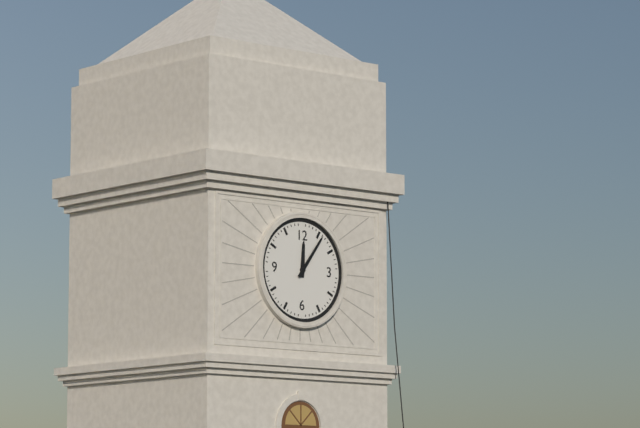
12:06
